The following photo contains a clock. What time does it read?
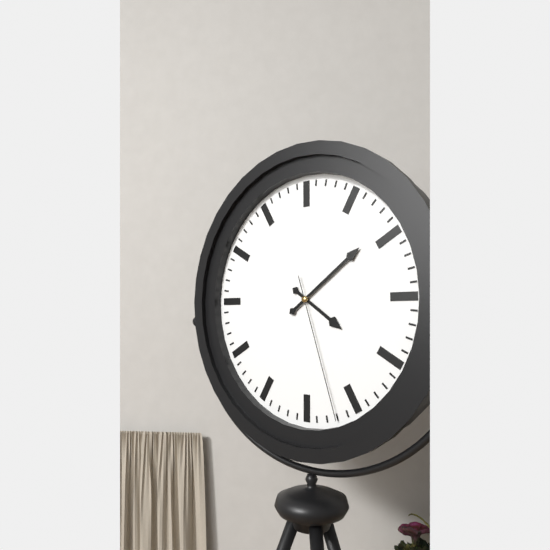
4:09:27
